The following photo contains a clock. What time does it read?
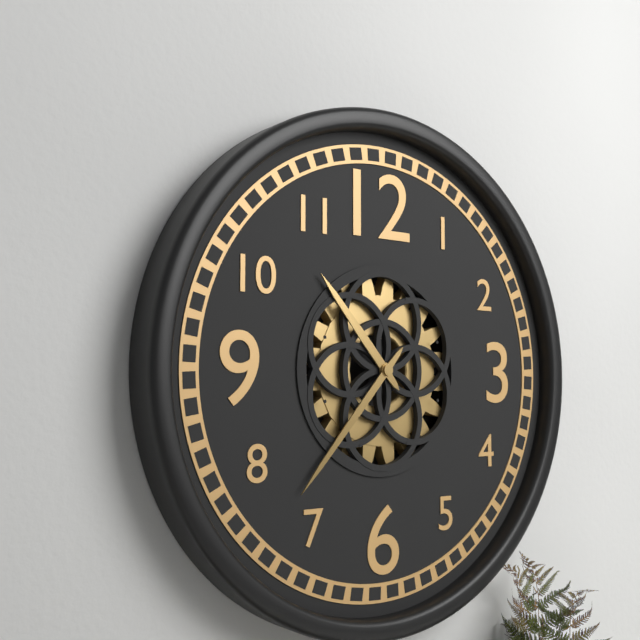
10:37
